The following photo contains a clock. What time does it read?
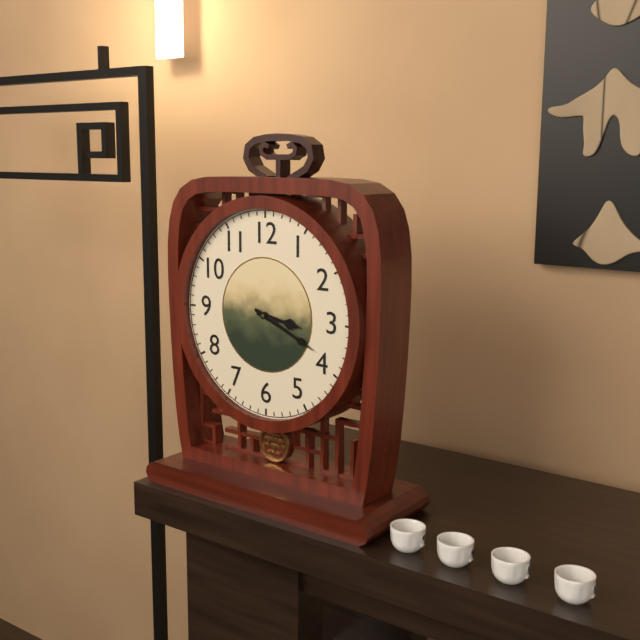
3:19
